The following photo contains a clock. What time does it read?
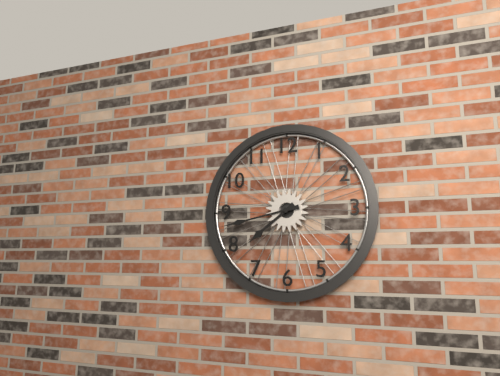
7:43
